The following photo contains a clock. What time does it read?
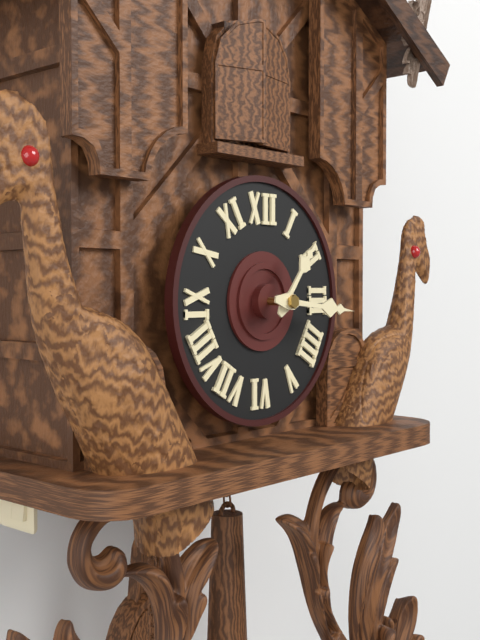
1:16
